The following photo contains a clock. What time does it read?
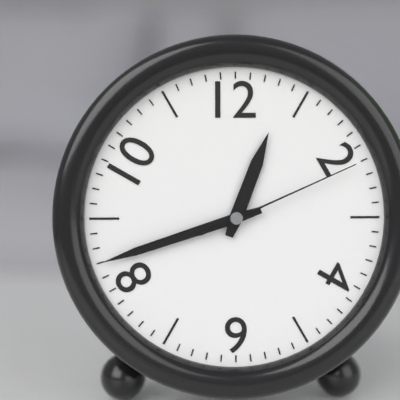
12:42:11
